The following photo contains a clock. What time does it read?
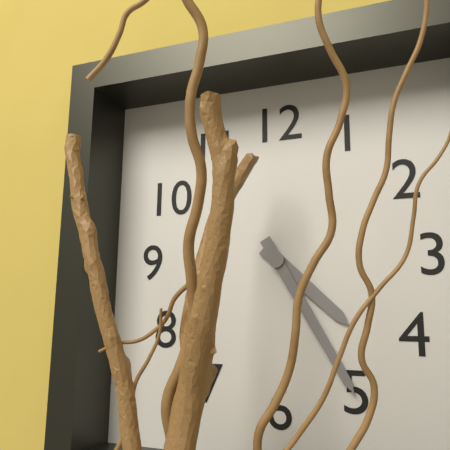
4:25
